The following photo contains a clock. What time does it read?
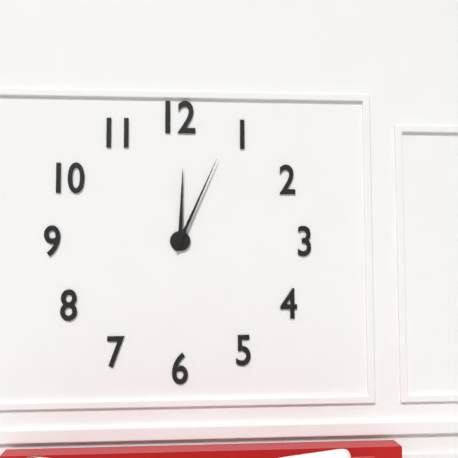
12:04
